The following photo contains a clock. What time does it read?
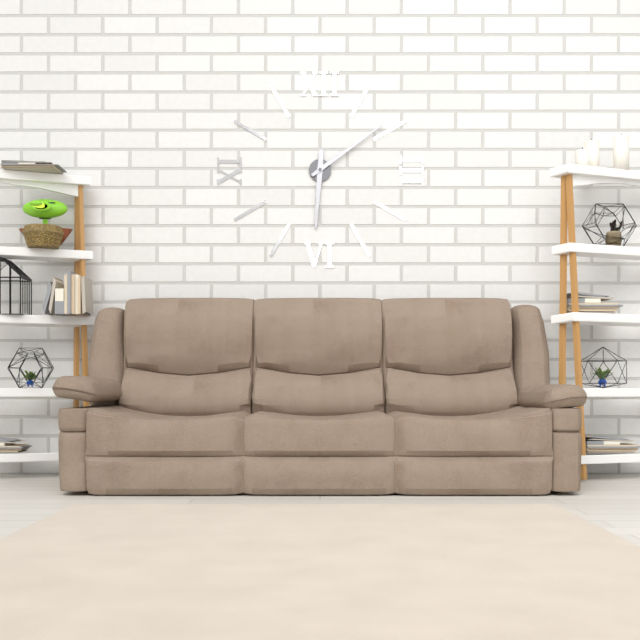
6:09
